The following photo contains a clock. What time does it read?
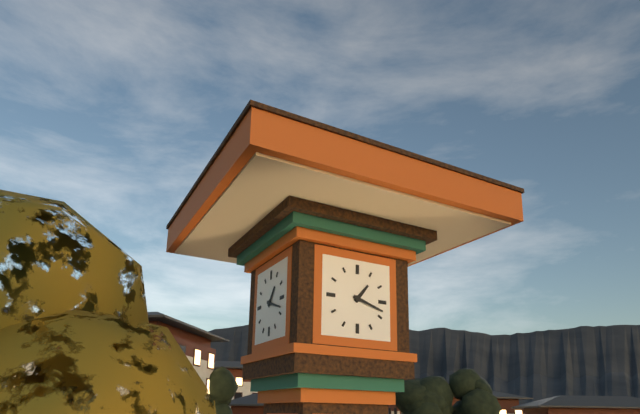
1:18
